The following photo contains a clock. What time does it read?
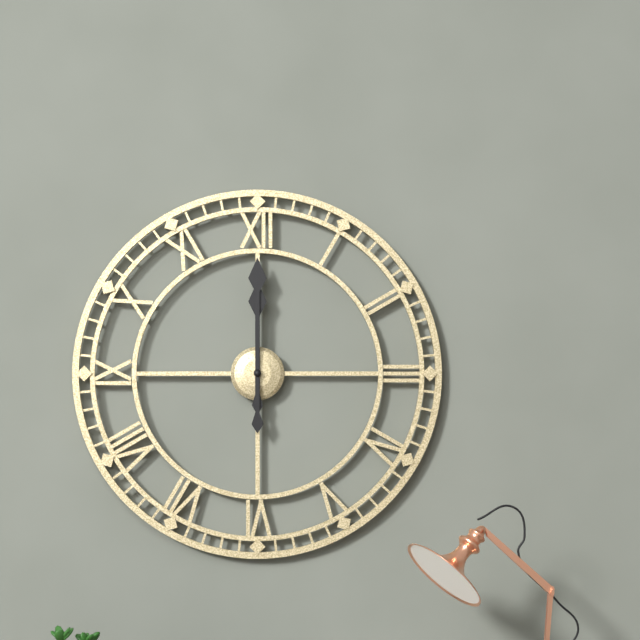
12:00
